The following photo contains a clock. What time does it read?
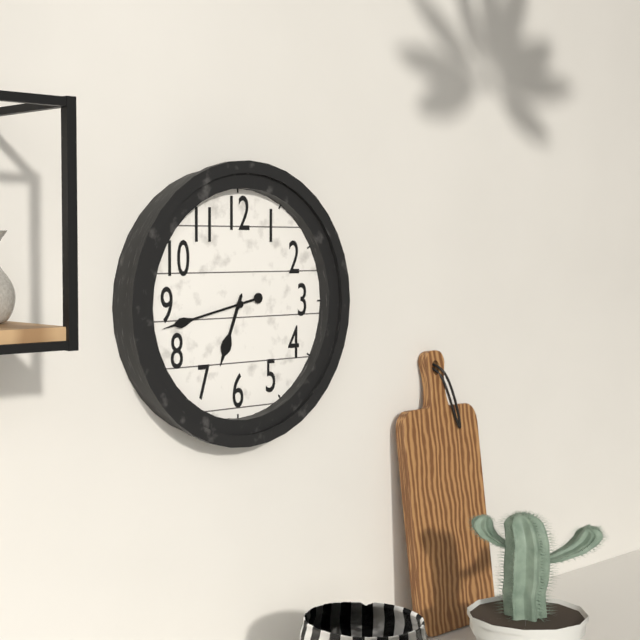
6:43
